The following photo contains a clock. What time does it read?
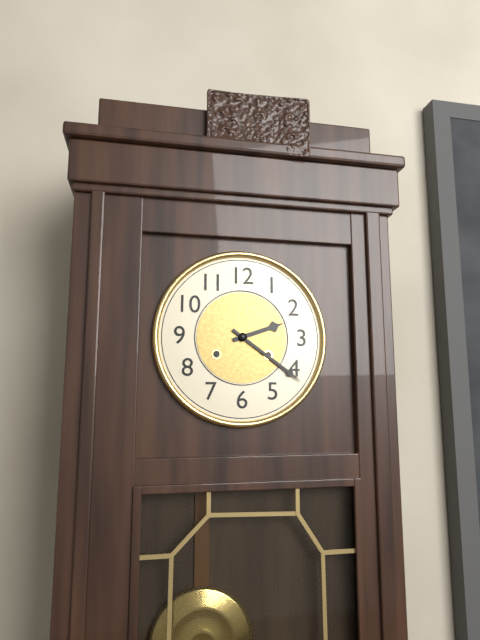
2:21
